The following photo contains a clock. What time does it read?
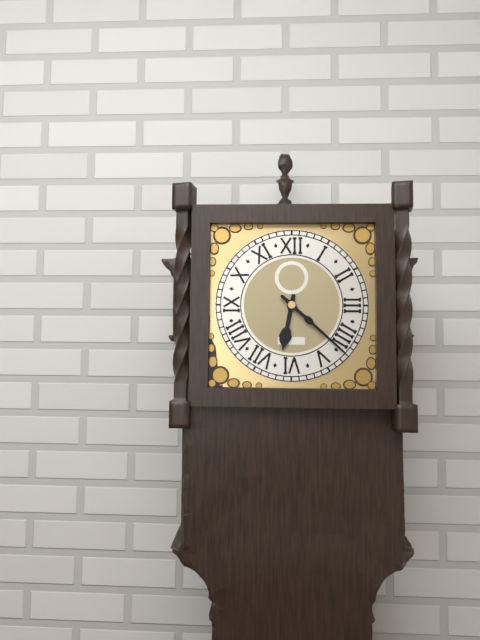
6:22
